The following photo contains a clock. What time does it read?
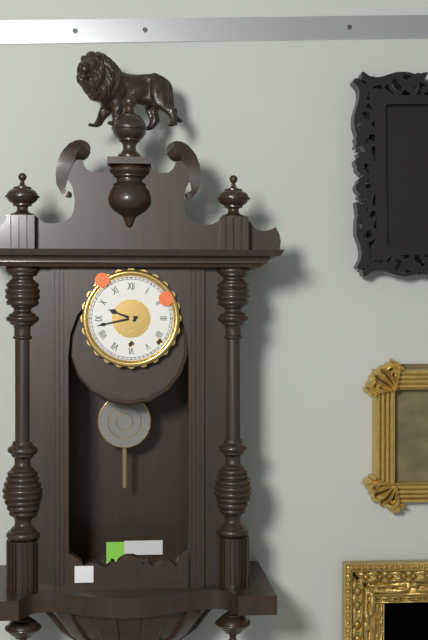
9:43
